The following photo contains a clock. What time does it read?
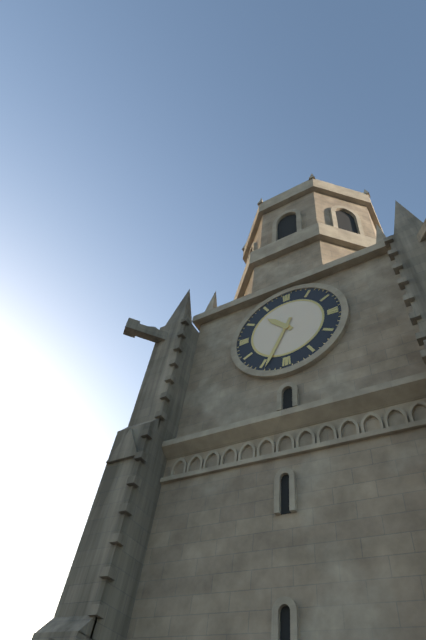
10:34
